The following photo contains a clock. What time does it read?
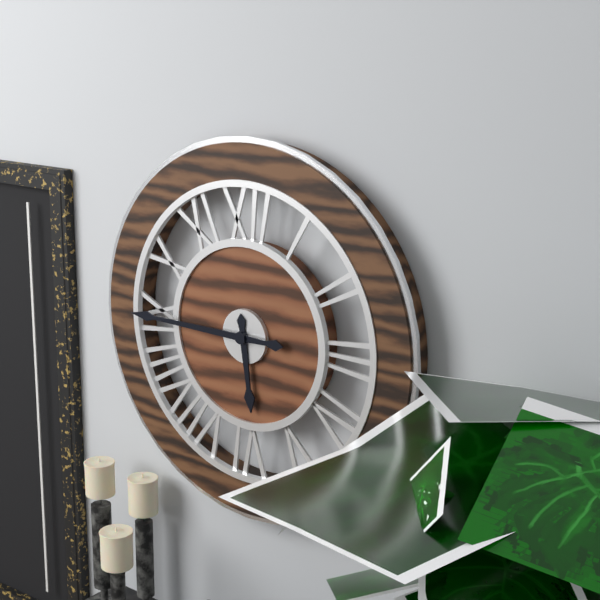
5:45
